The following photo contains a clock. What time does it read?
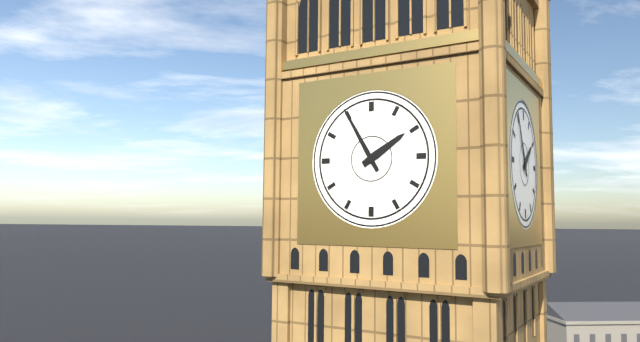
1:55
